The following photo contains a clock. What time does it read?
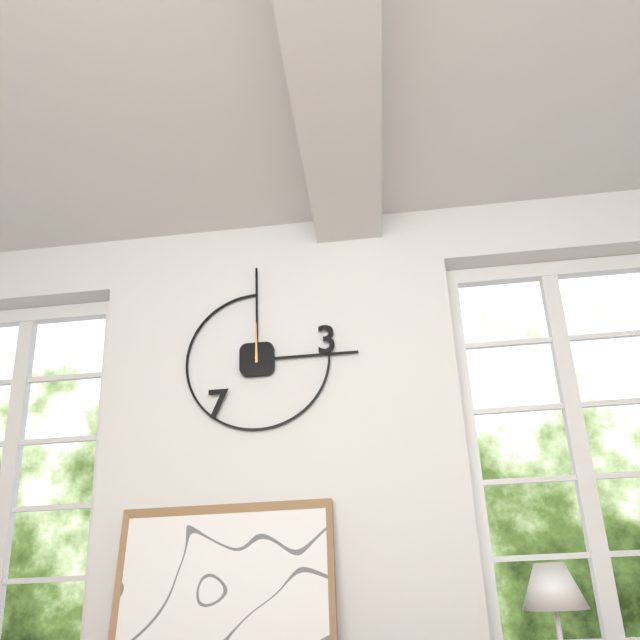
12:00
